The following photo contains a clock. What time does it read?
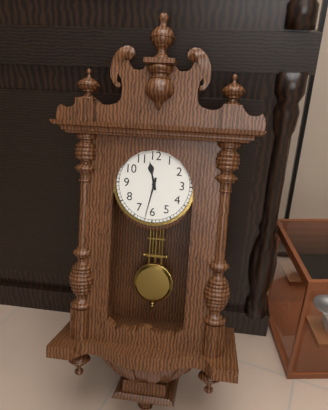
11:32
